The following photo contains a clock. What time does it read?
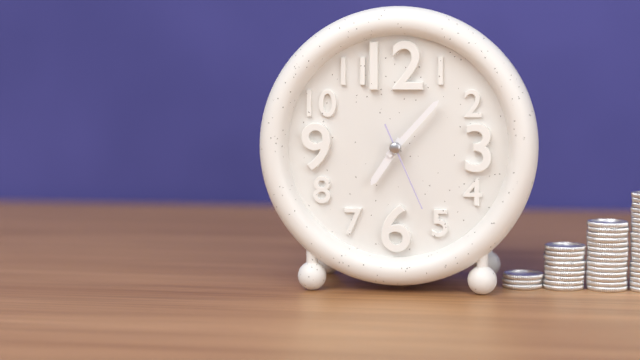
7:07:26
